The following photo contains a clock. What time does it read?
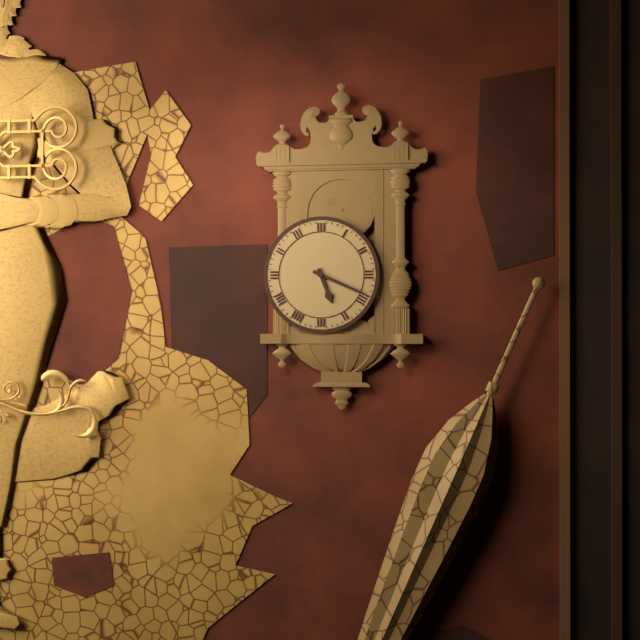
5:19
